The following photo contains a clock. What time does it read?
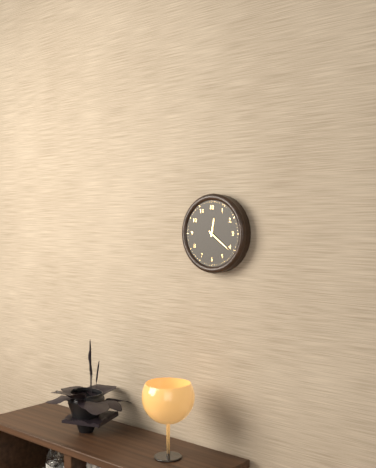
12:21
